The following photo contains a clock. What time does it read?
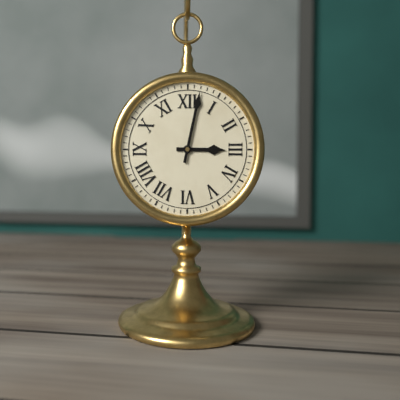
3:02
